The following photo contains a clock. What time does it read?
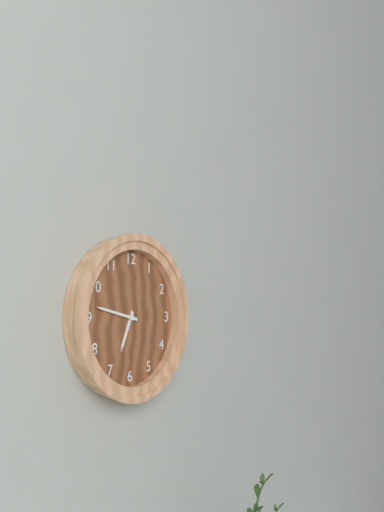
6:47
